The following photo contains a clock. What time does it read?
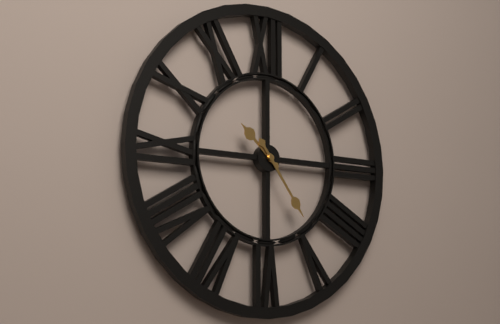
10:24
